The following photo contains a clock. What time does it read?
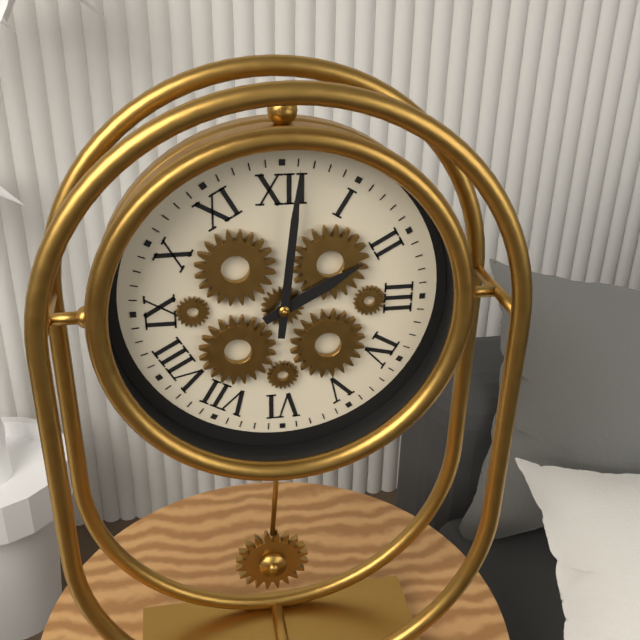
2:01
